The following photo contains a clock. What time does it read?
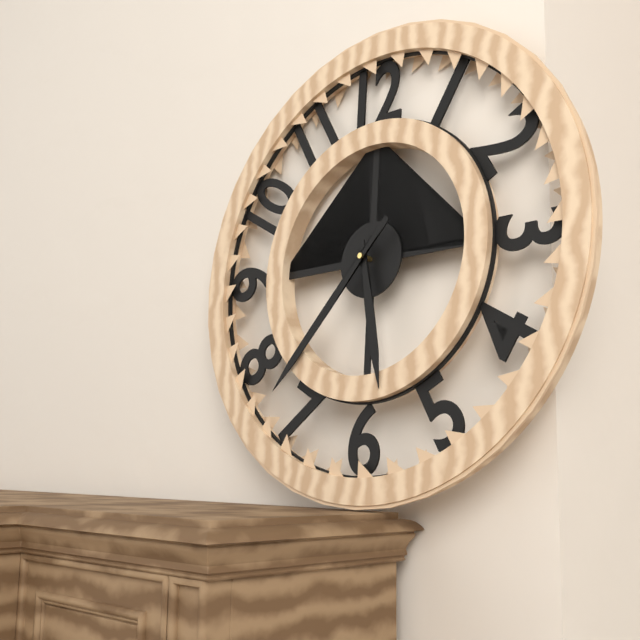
5:37
